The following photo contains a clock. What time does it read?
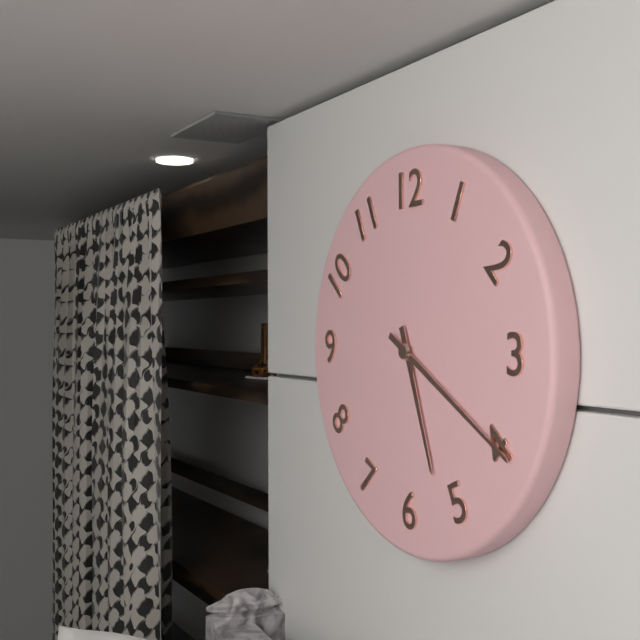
5:20
